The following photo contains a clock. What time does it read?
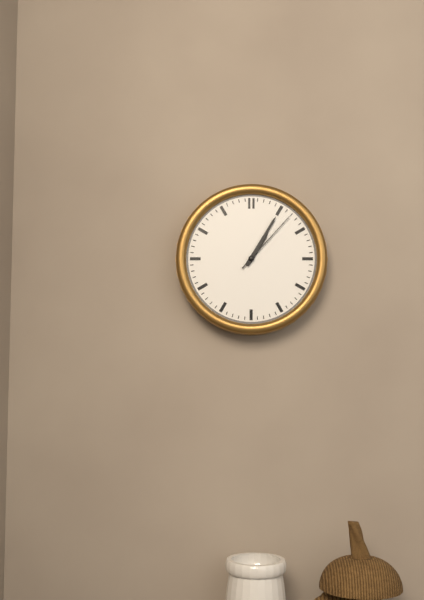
1:05:07
